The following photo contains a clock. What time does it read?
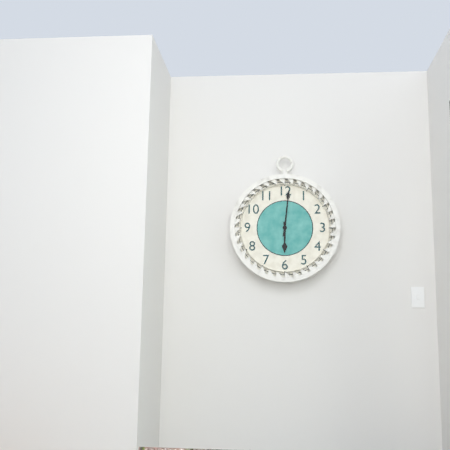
6:01
